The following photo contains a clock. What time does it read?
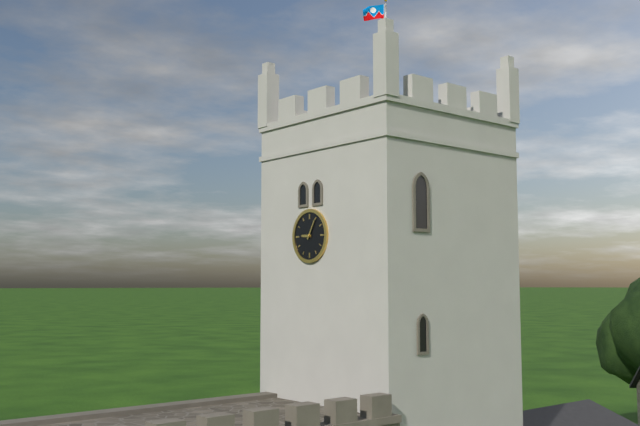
9:05
